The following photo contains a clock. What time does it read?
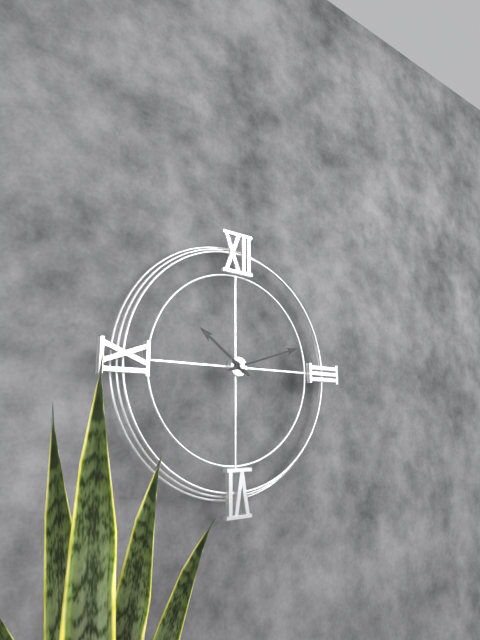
10:12
